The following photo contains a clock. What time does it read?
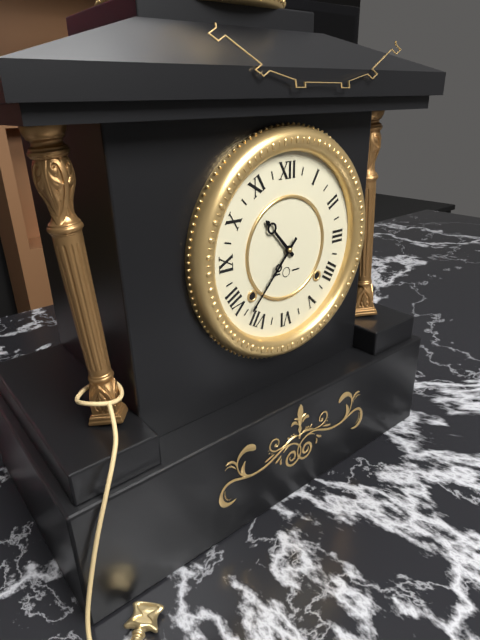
10:37
